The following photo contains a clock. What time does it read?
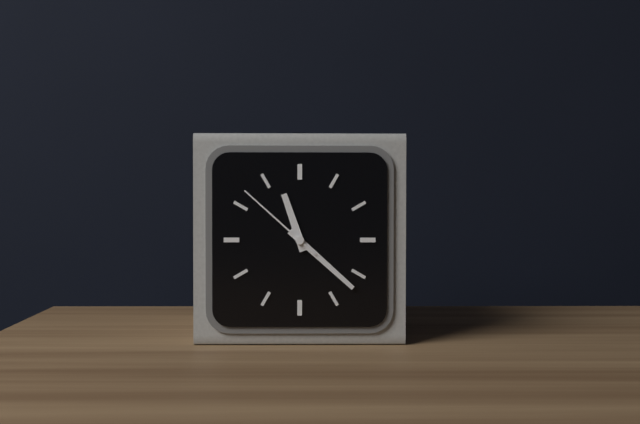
11:22:52
